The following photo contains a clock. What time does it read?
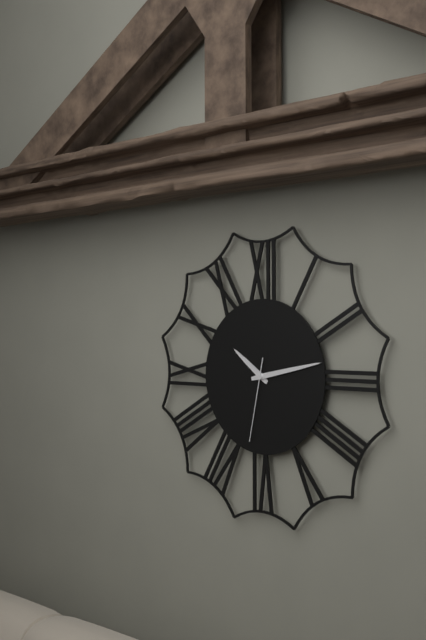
10:13:32
